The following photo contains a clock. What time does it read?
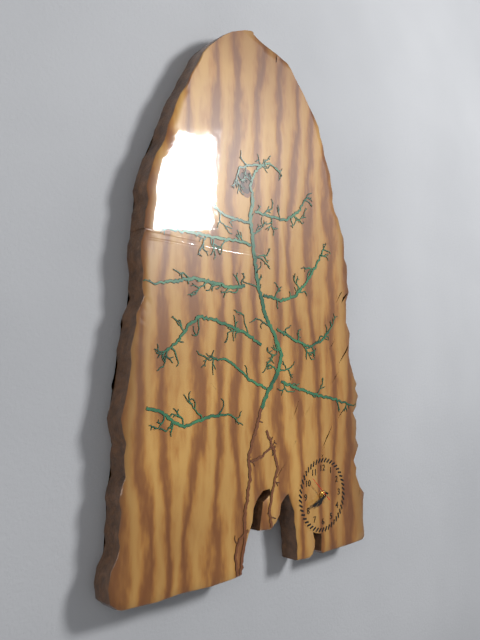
7:41
